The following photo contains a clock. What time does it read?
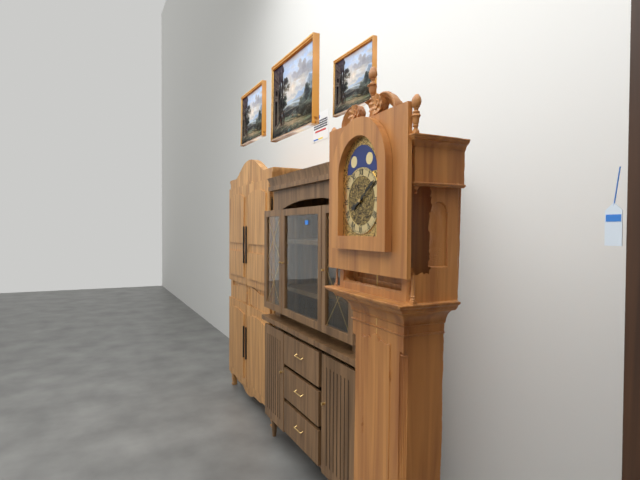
8:09
